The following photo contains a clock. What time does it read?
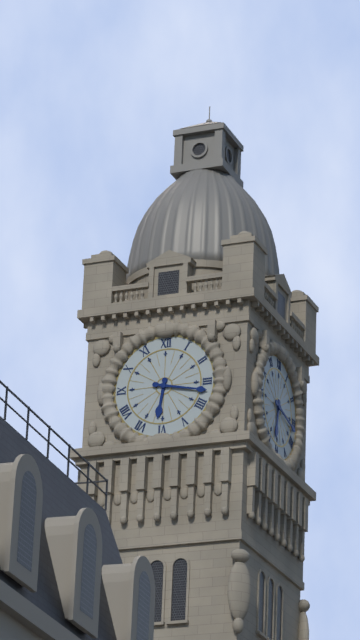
6:17
